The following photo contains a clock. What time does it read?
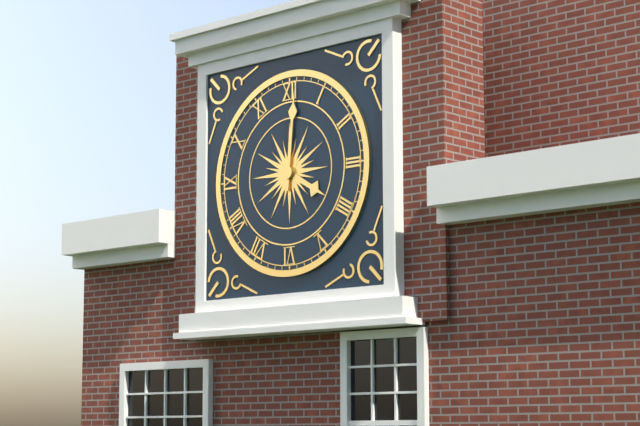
4:01
